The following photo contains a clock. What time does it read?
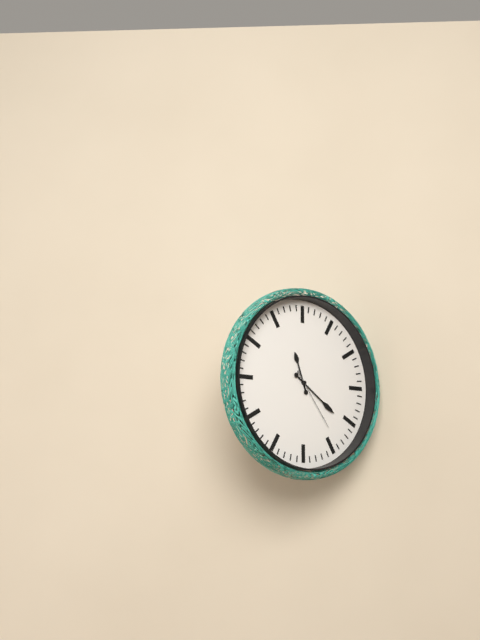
11:21:24
